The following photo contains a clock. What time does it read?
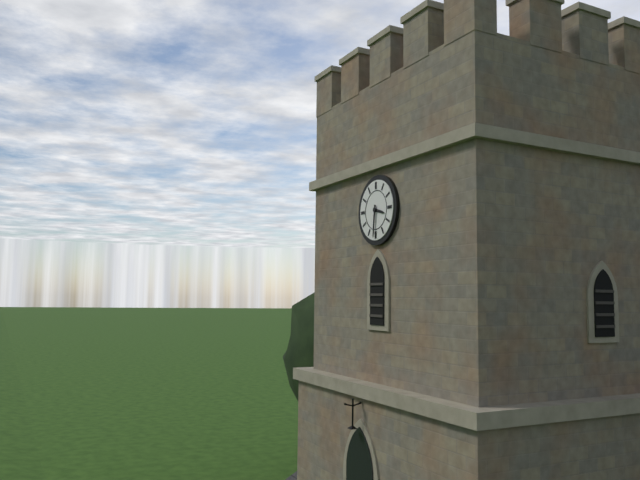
3:31
